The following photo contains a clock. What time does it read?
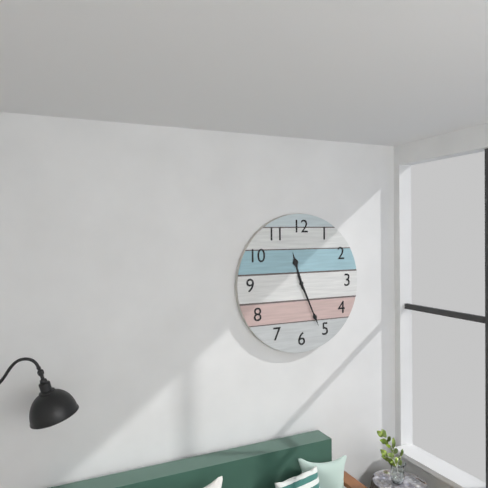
11:26
